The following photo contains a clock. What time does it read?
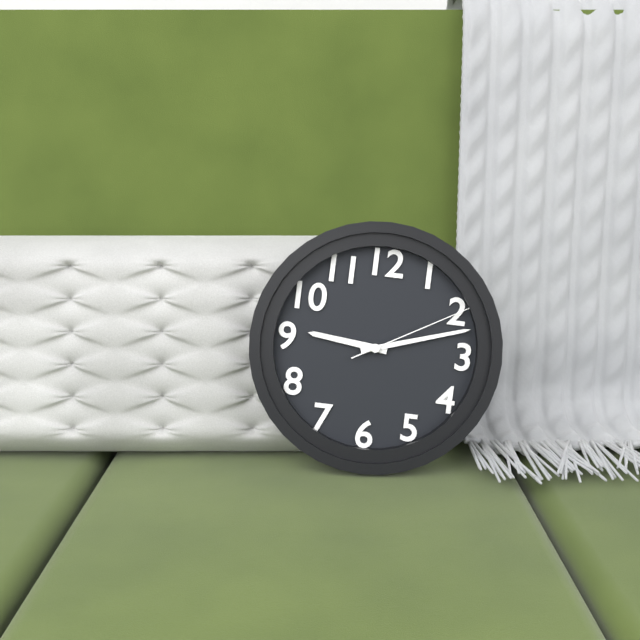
9:12:10
